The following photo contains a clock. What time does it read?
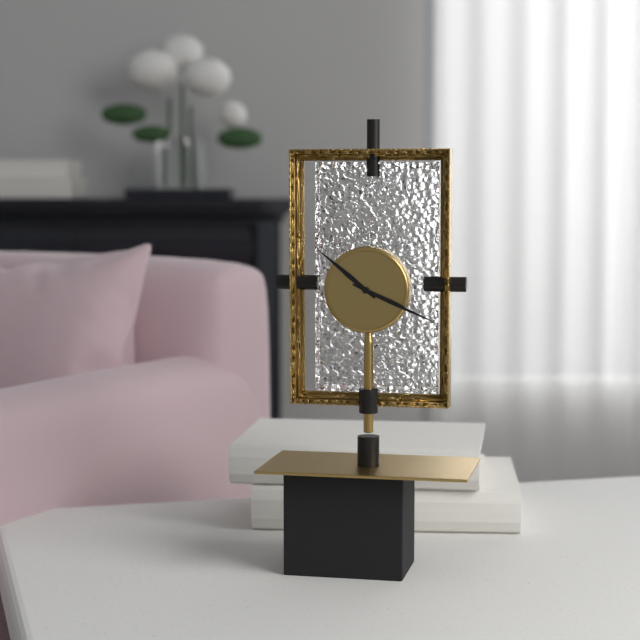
10:19
